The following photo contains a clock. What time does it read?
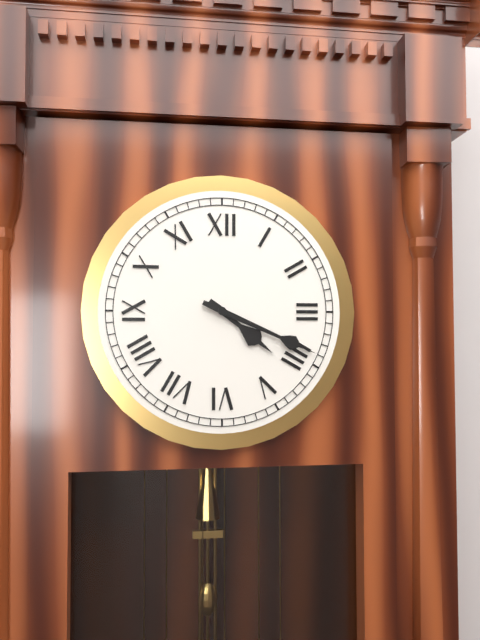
4:19
